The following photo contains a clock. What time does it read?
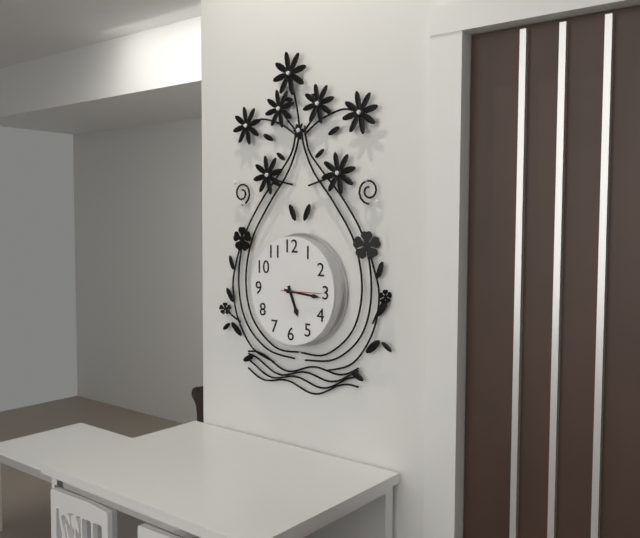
5:16
